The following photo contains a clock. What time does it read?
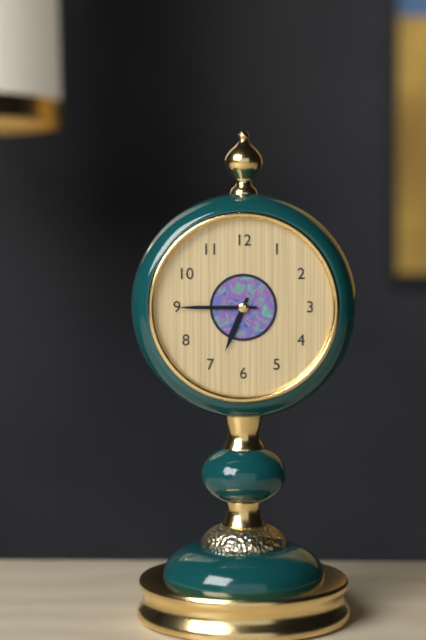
6:45
